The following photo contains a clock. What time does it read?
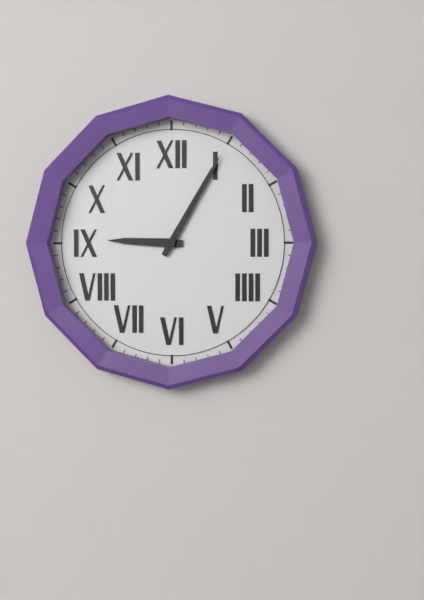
9:05
